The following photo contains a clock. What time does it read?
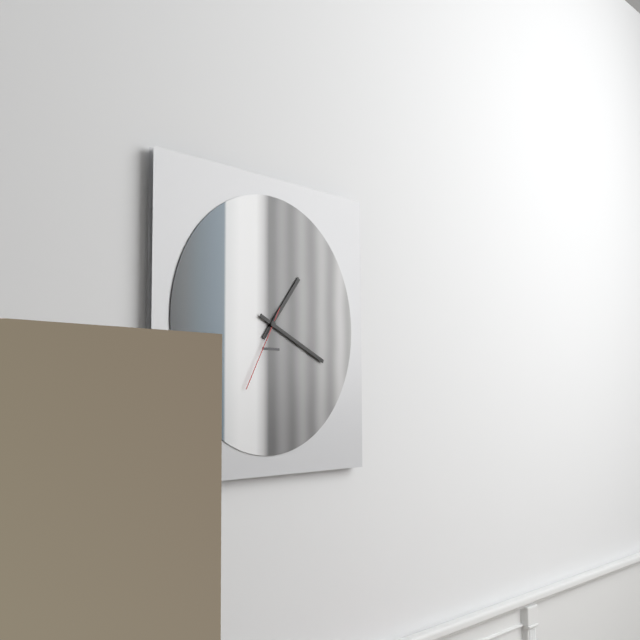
1:19:35
